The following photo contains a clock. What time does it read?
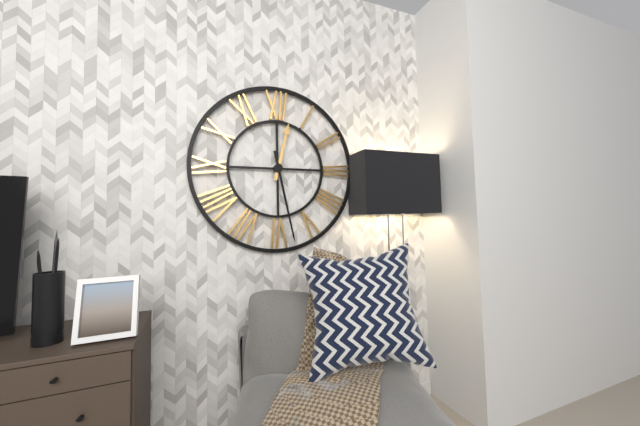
12:28
